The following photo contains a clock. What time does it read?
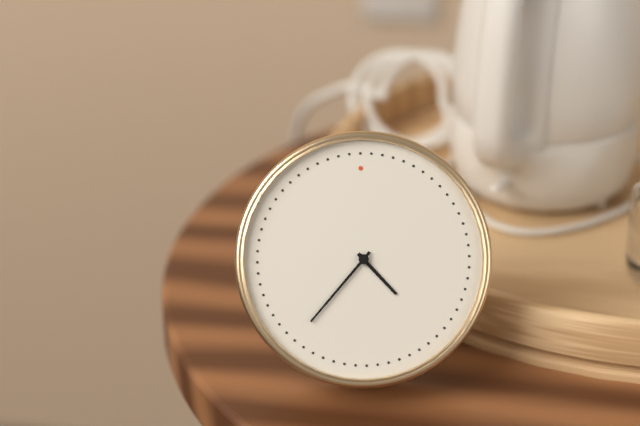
4:37
